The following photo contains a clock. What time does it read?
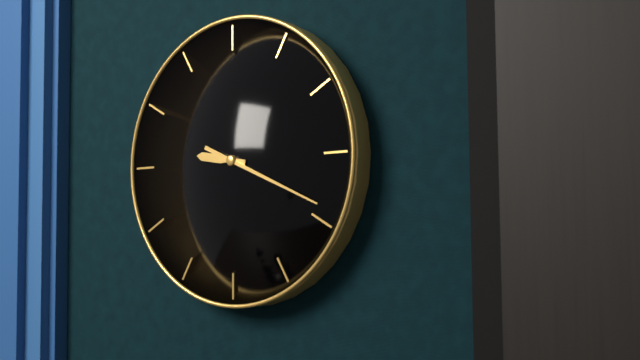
9:19
